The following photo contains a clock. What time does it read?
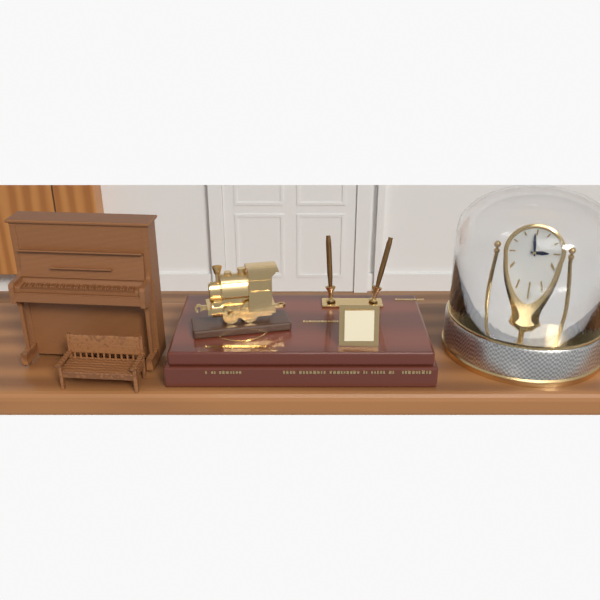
2:59
